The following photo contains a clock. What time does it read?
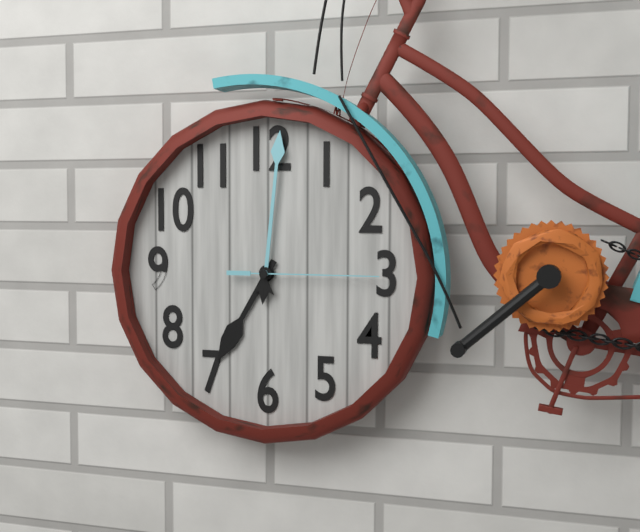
7:01:15
